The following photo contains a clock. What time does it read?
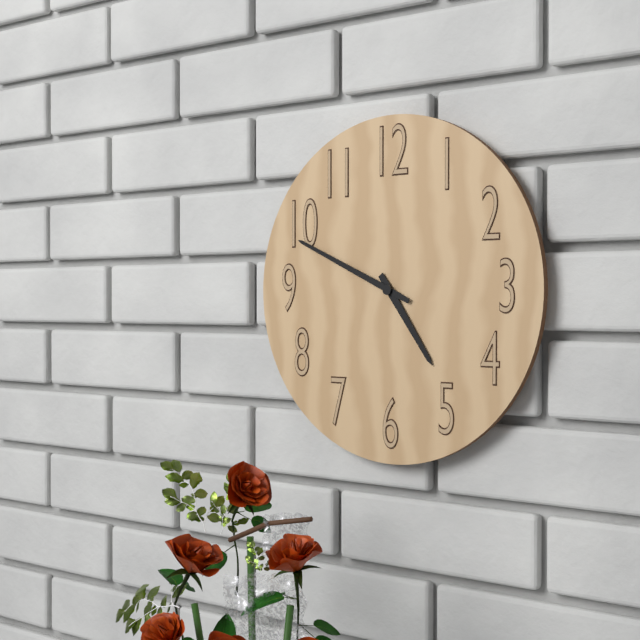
4:49
